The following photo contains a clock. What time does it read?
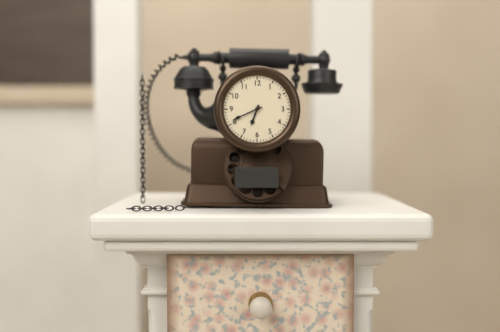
6:41
